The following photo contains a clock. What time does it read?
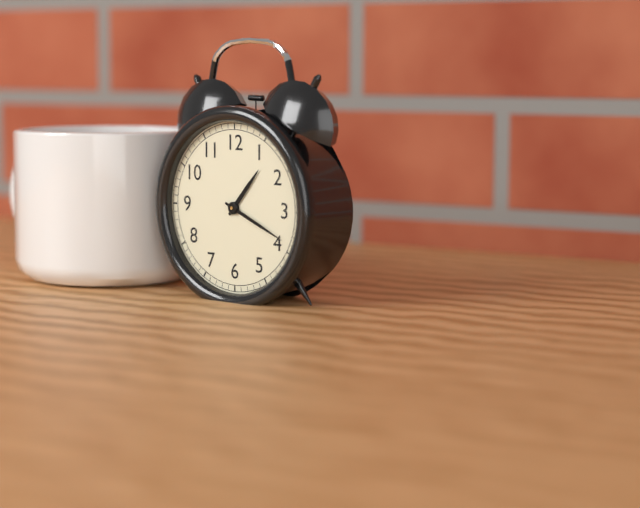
1:19
